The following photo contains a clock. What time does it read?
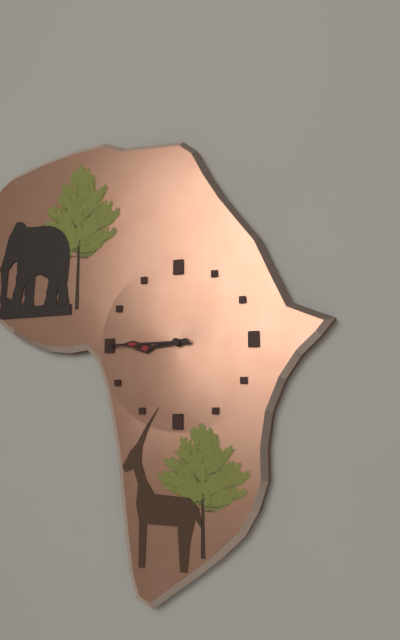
8:45
